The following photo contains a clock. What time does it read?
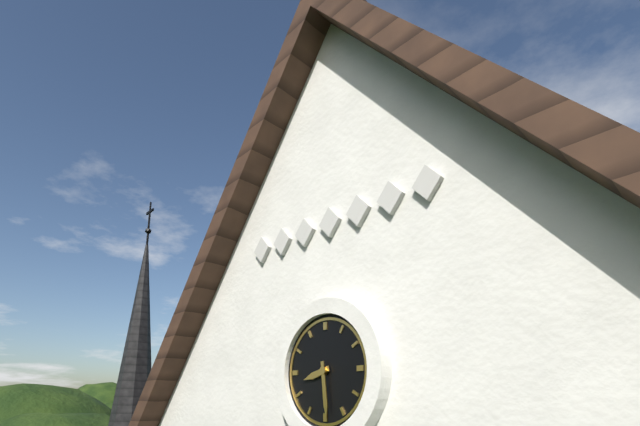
8:29
